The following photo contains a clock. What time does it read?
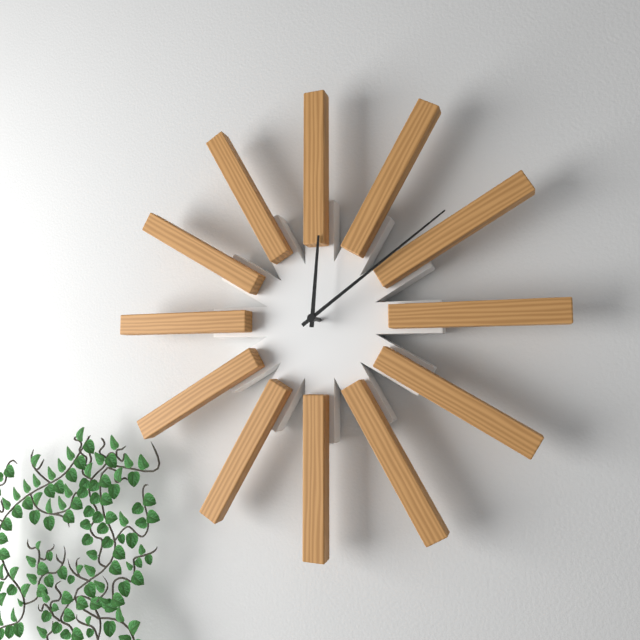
12:09
